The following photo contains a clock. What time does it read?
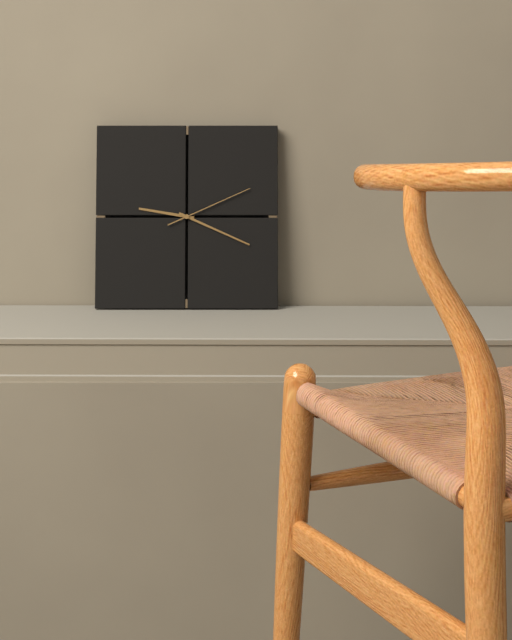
9:19:11
